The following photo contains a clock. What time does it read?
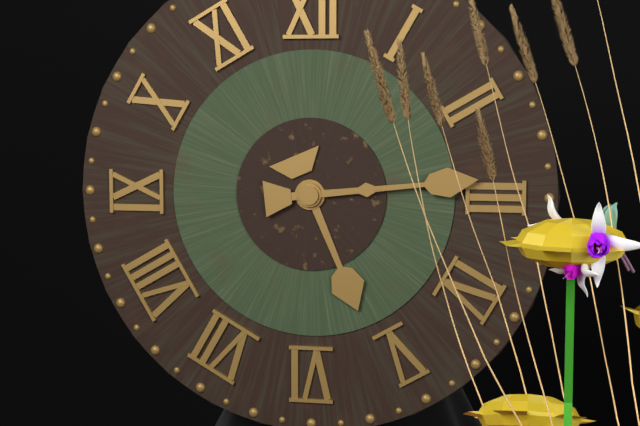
5:14
